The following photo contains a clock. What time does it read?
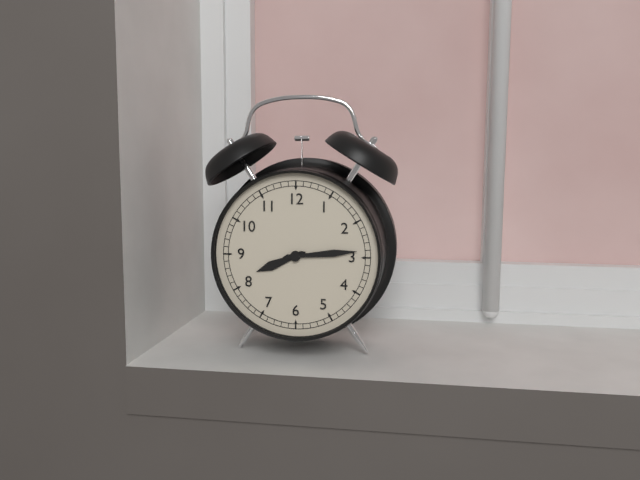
8:14
